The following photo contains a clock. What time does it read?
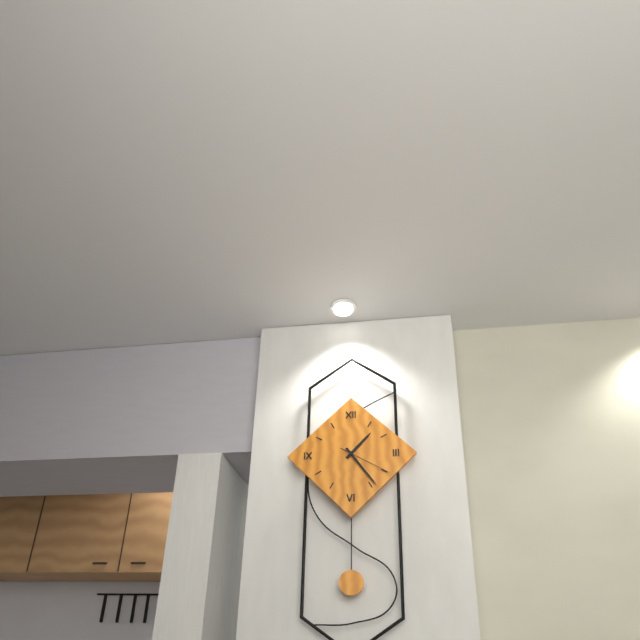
1:24:20
